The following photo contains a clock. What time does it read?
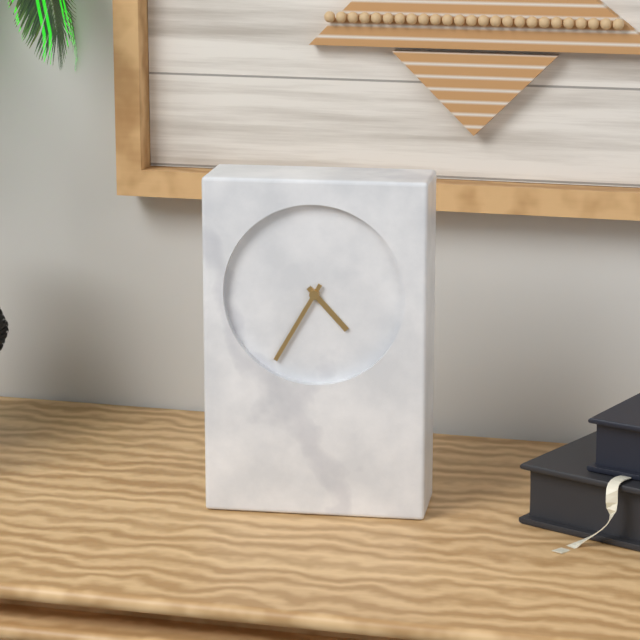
4:35
